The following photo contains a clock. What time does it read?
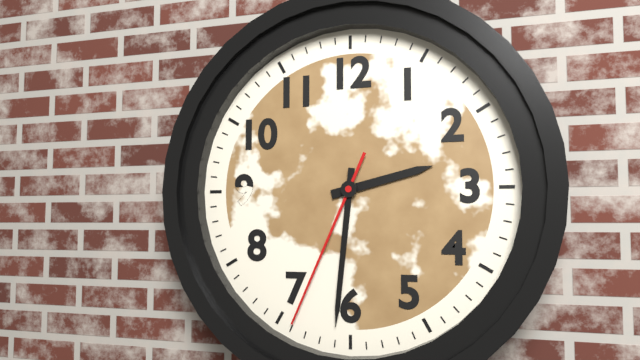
2:31:34
